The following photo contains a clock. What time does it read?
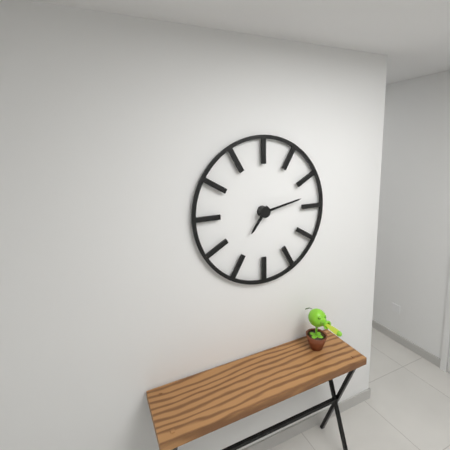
7:13
